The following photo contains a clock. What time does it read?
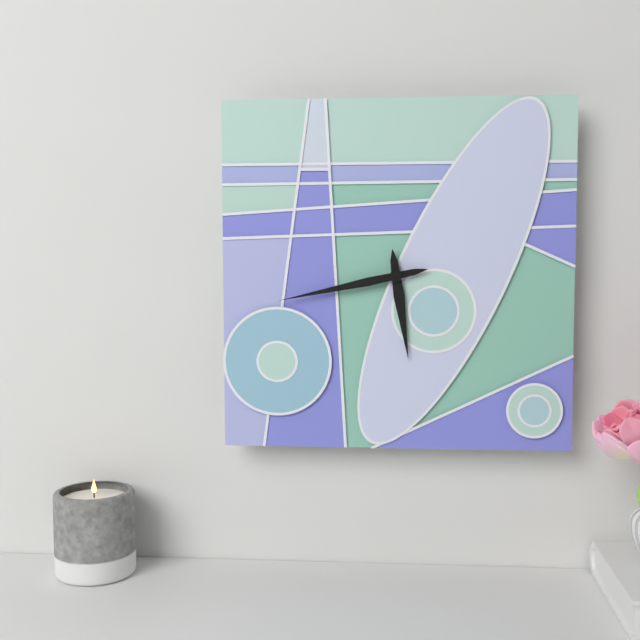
5:43
